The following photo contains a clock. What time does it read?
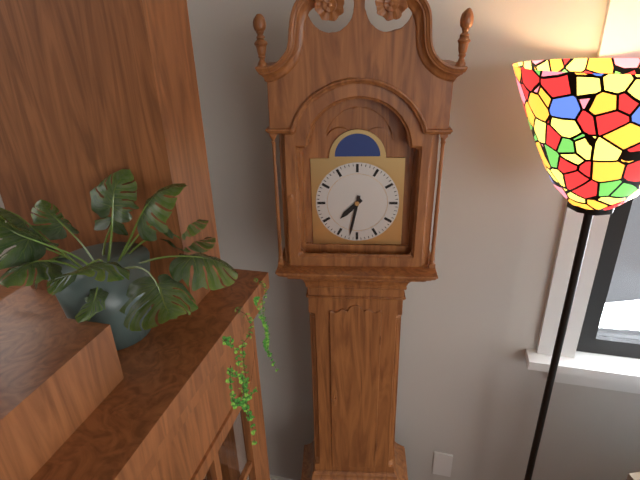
7:32
